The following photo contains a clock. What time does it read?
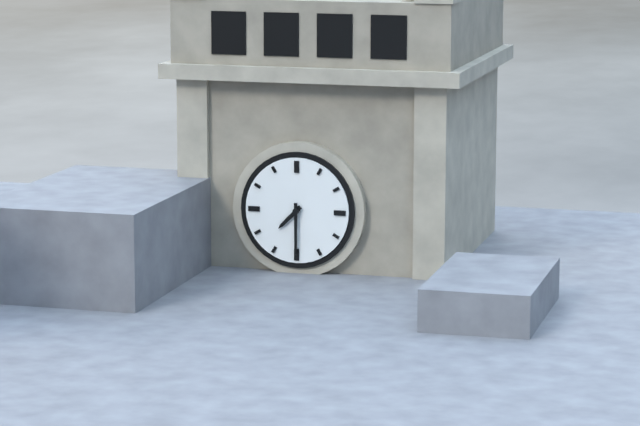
7:30
